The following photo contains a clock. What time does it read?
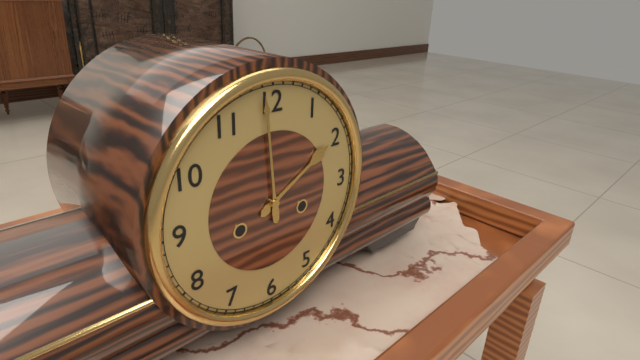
1:59
